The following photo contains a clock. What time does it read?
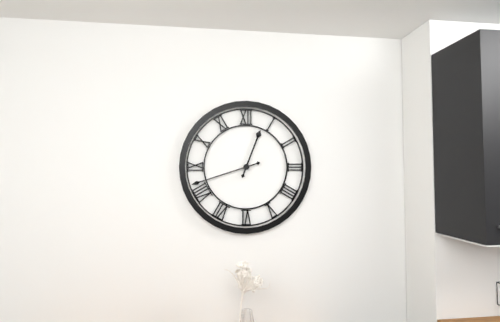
12:42
